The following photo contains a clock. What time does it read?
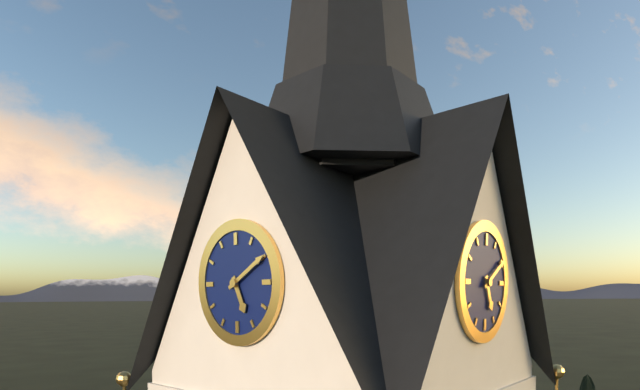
5:10
